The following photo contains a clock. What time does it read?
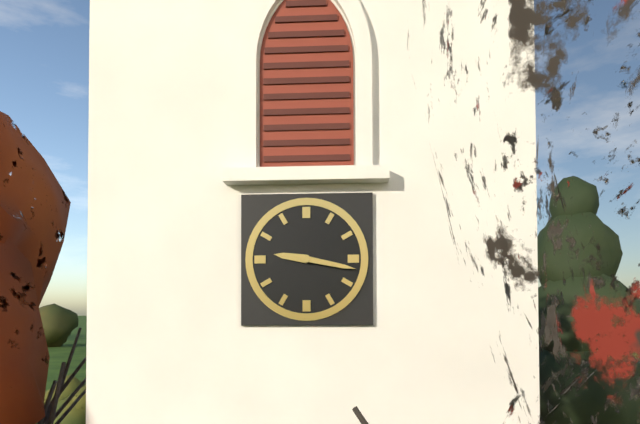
9:17
